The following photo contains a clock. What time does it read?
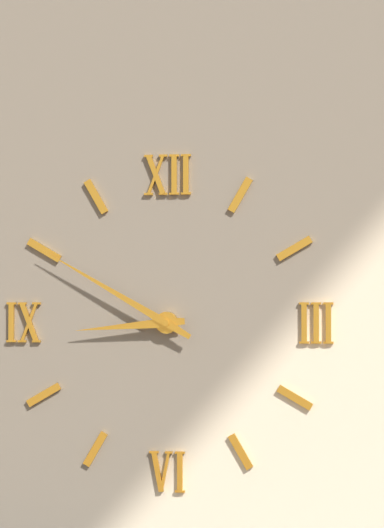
8:50
